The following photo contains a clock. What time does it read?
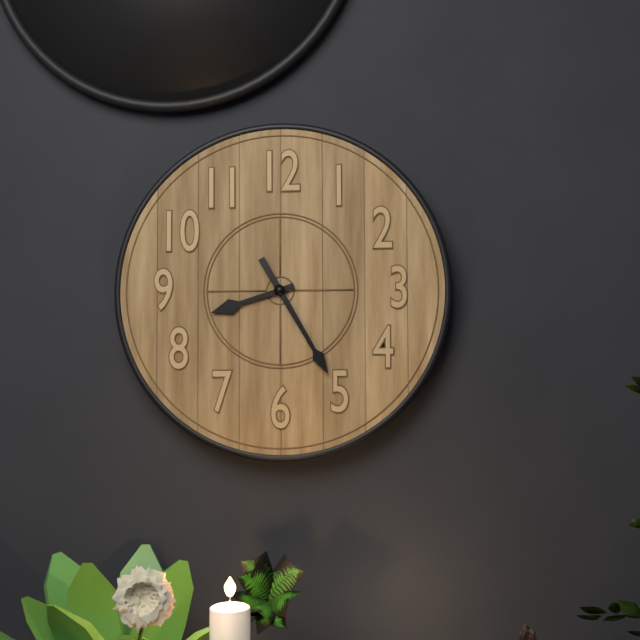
8:25
